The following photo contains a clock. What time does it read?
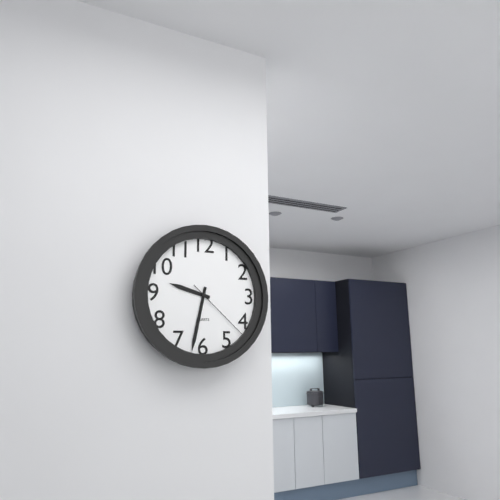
9:32:22
